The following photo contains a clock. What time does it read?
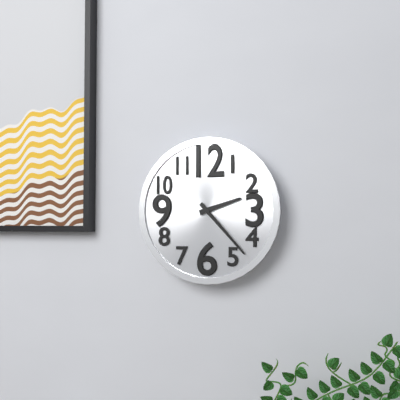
2:23
